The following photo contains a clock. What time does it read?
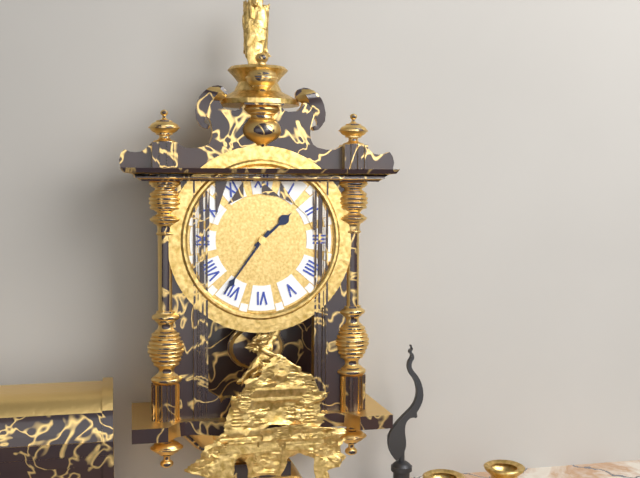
1:36
